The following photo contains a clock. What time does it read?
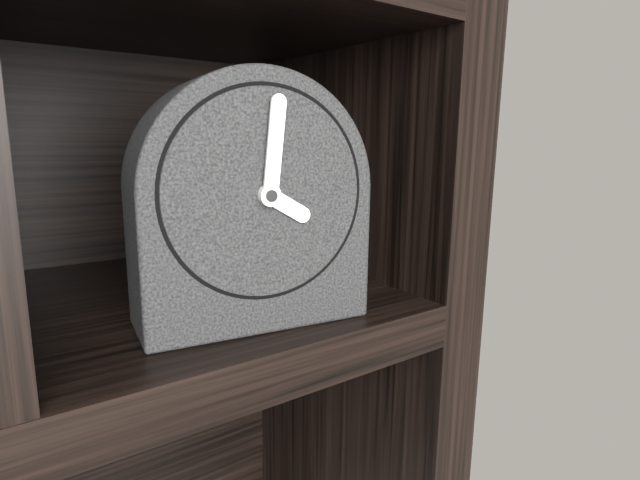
4:01
